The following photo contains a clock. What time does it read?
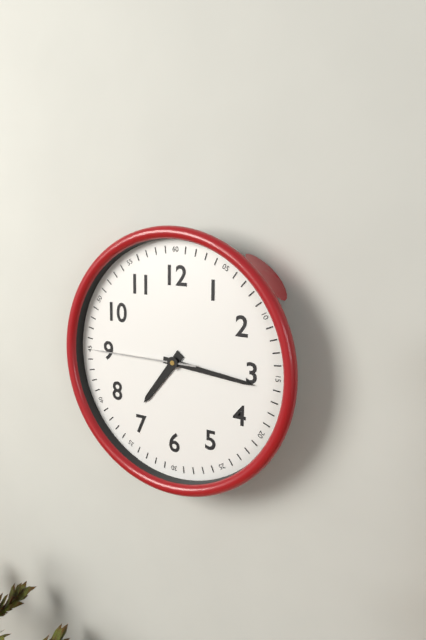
7:16:45
